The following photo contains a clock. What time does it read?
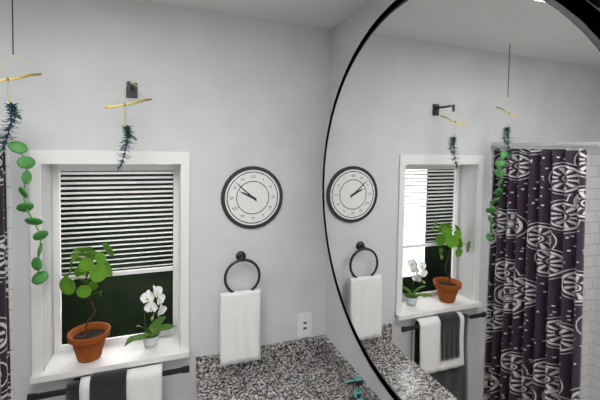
9:52
